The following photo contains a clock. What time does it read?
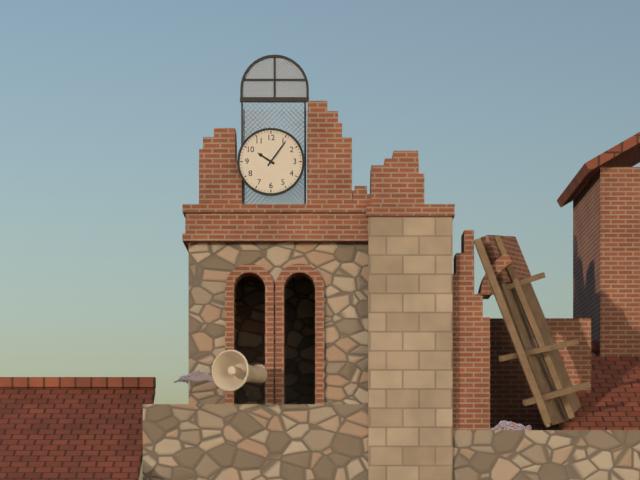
10:06
